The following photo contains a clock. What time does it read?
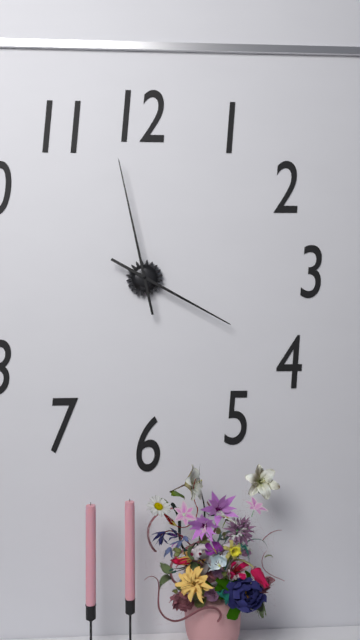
3:58
